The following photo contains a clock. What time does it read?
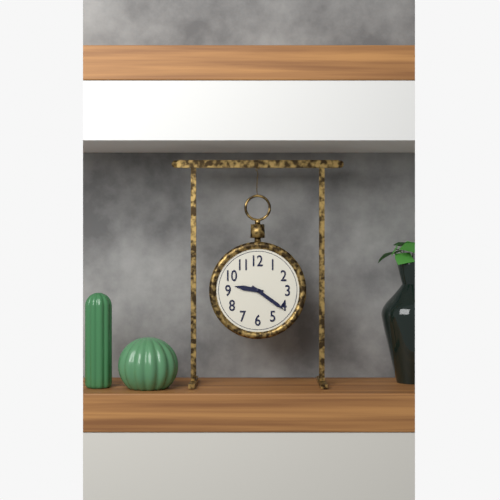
9:21
